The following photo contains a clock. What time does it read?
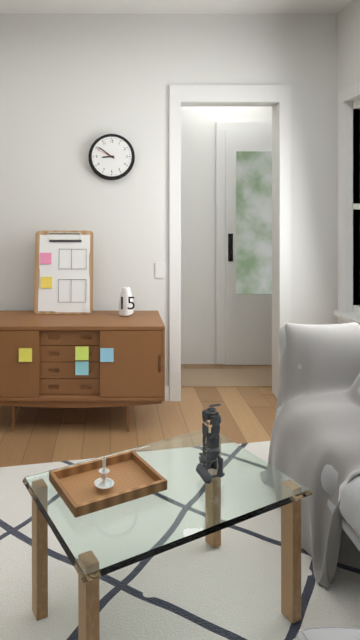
8:51
